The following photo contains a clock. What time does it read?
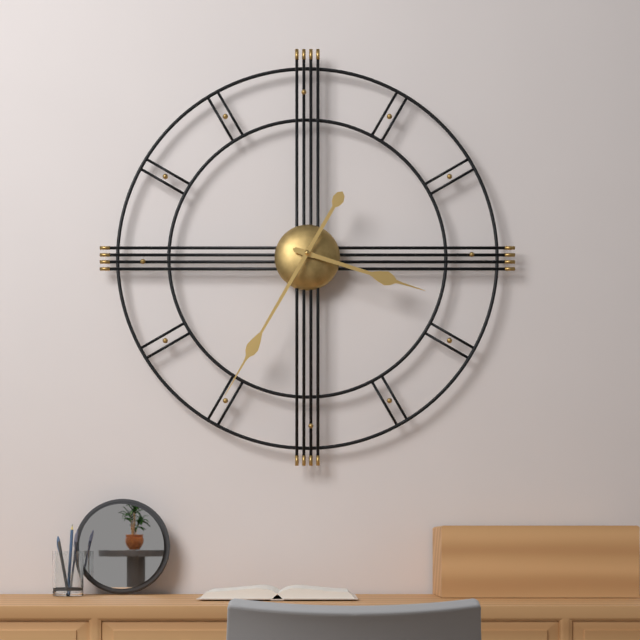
3:35
